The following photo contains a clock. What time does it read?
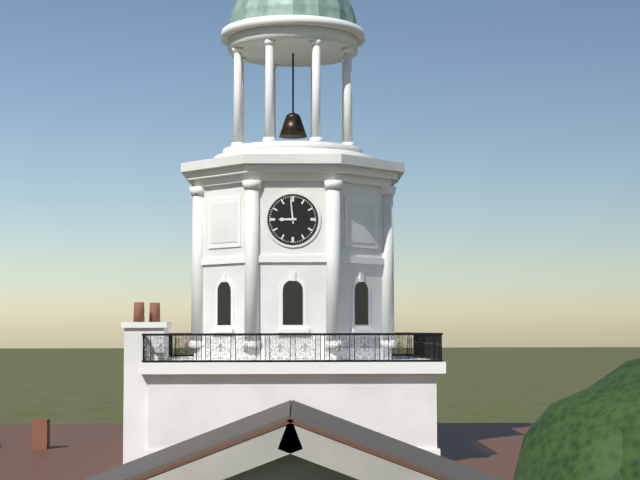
8:59
